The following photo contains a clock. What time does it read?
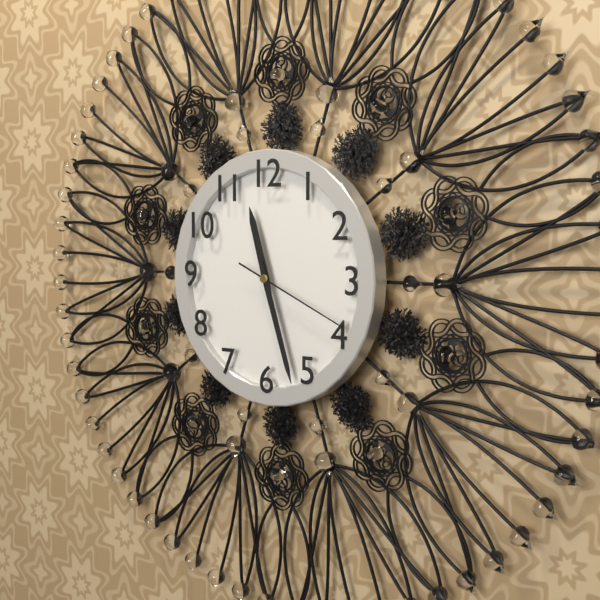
11:27:19
